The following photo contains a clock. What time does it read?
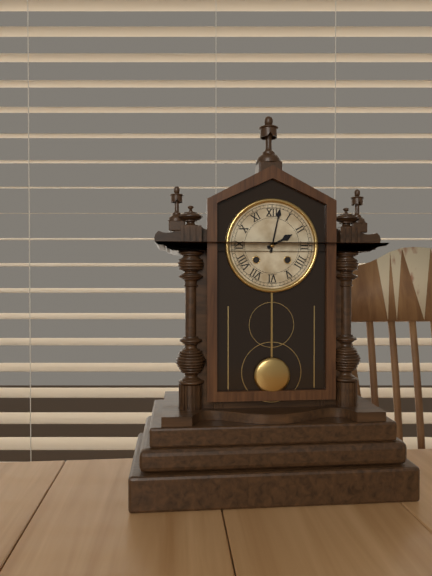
2:02
